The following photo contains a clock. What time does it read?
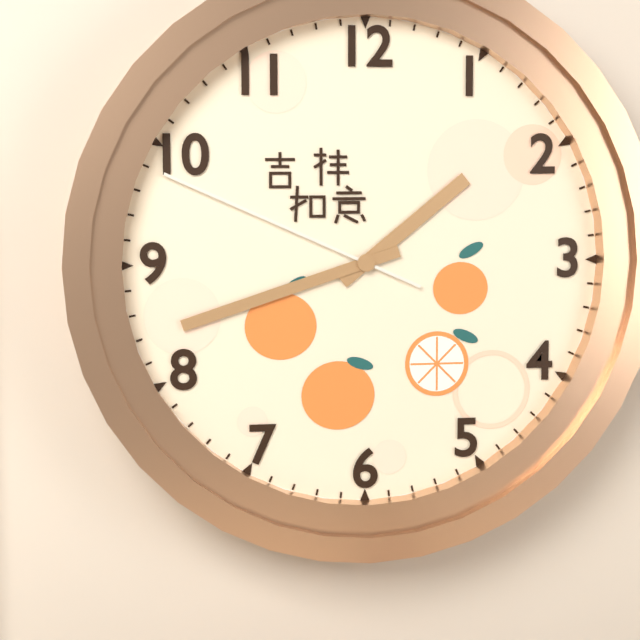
1:42:49
